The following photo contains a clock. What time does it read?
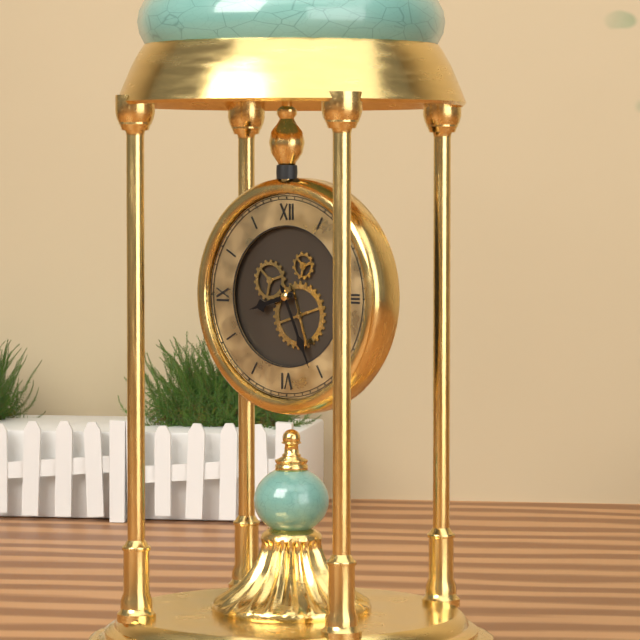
8:26
